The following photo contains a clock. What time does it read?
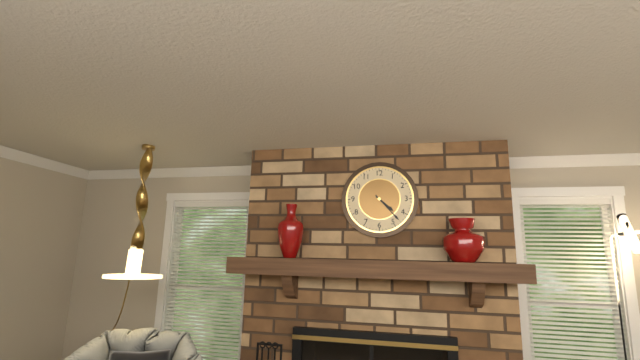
4:23
